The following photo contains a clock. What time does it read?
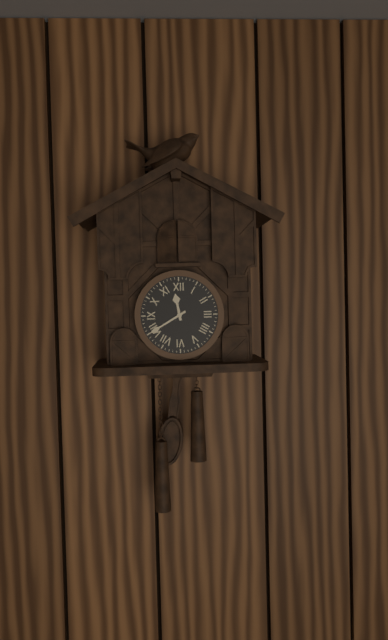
11:40
